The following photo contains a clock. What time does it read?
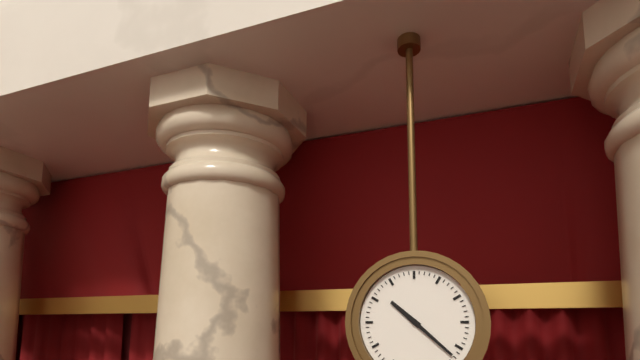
10:22
